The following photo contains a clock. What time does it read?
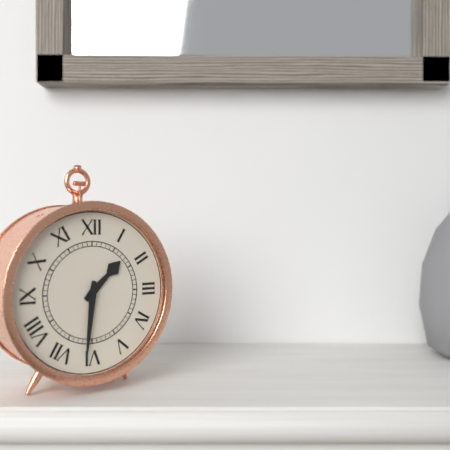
1:31
